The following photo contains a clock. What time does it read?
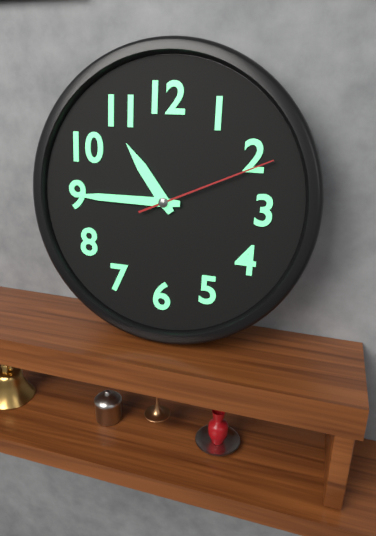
10:45:11
